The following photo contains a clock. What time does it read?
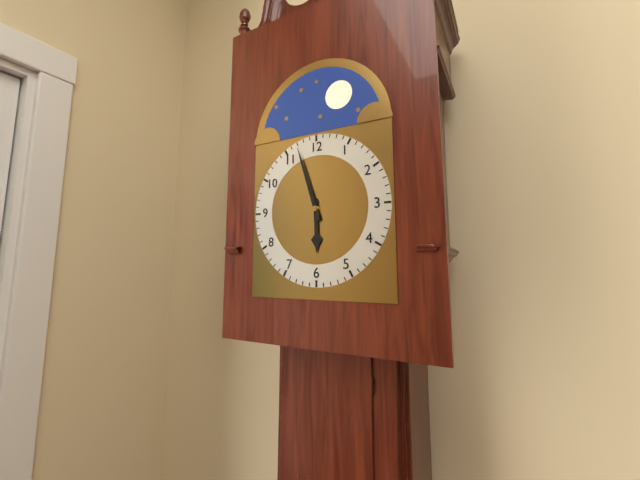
5:57
